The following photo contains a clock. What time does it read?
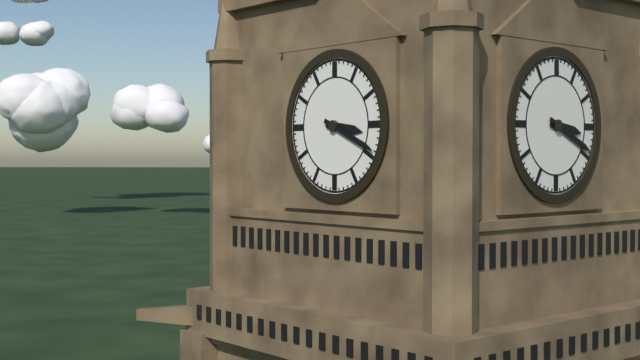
3:19
